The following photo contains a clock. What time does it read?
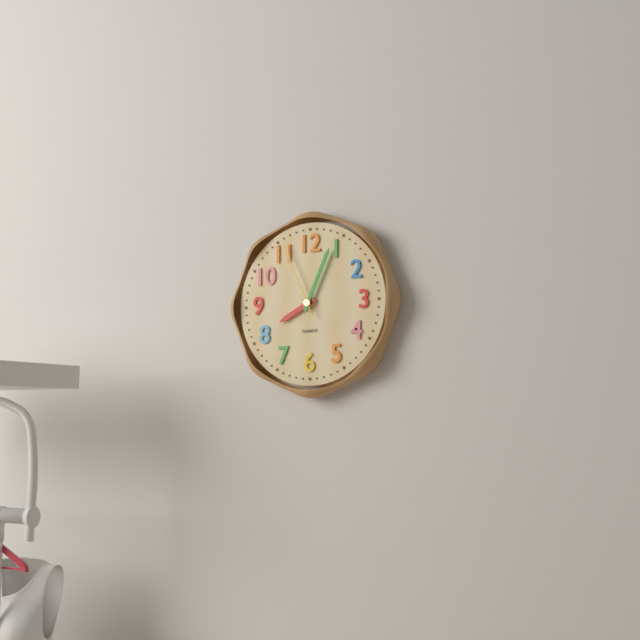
8:04:56
